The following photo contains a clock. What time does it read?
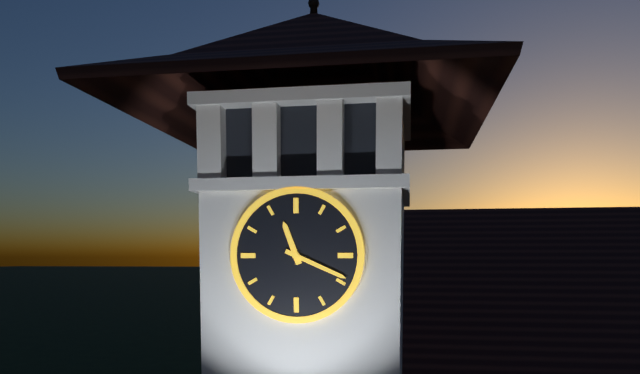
11:19
